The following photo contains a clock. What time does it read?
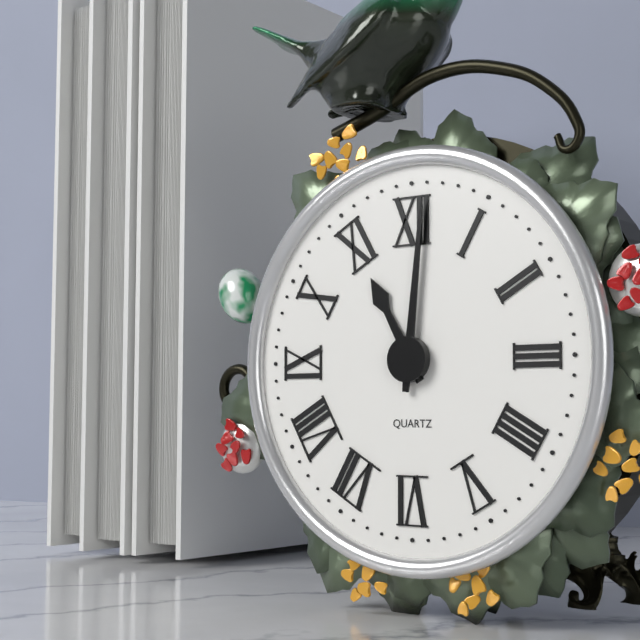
11:01
